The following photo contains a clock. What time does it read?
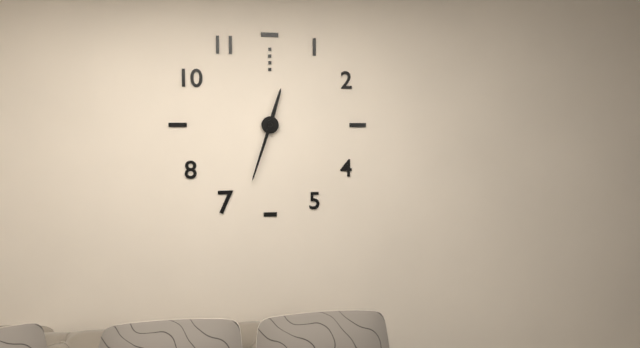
12:33
